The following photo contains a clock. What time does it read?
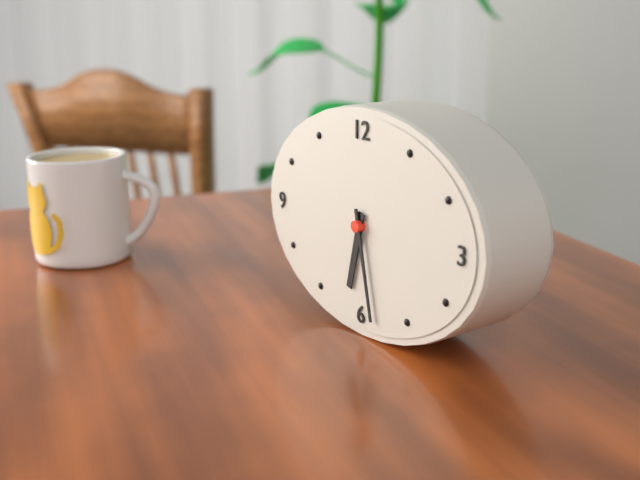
6:28
